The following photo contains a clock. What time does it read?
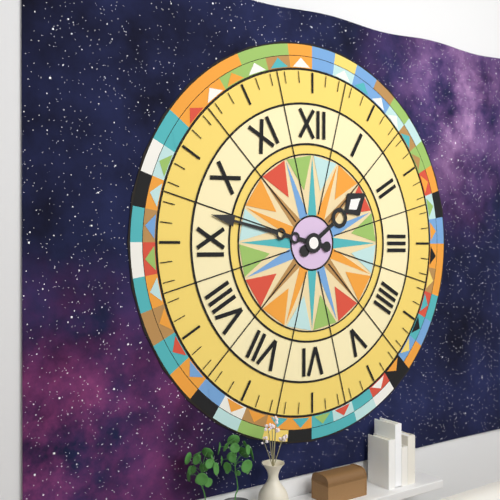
1:47
